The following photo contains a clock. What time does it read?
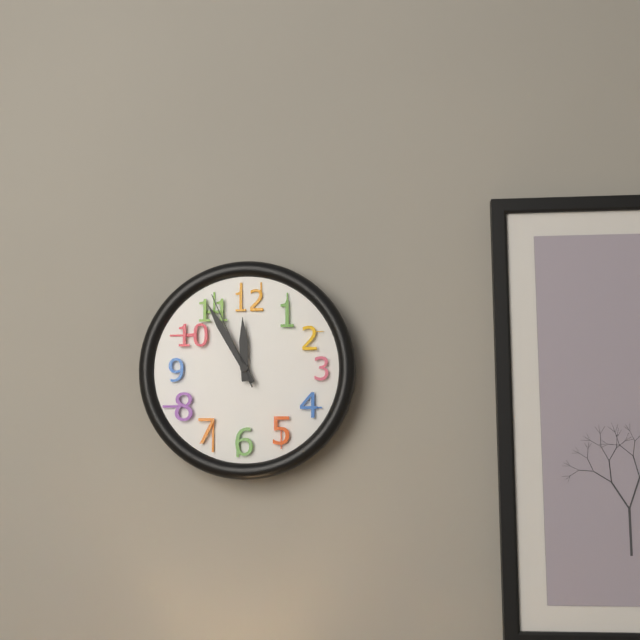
11:55:56
